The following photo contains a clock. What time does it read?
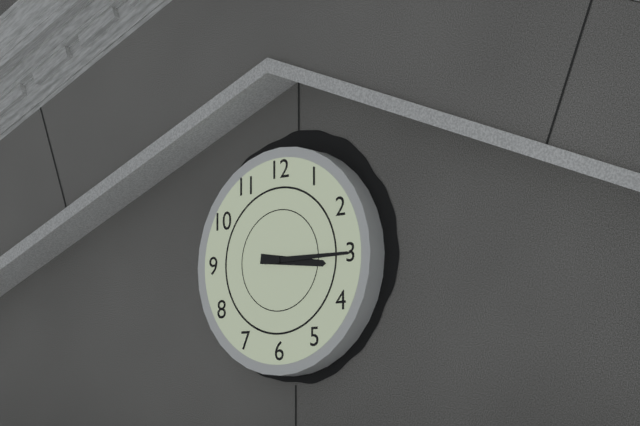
3:15
